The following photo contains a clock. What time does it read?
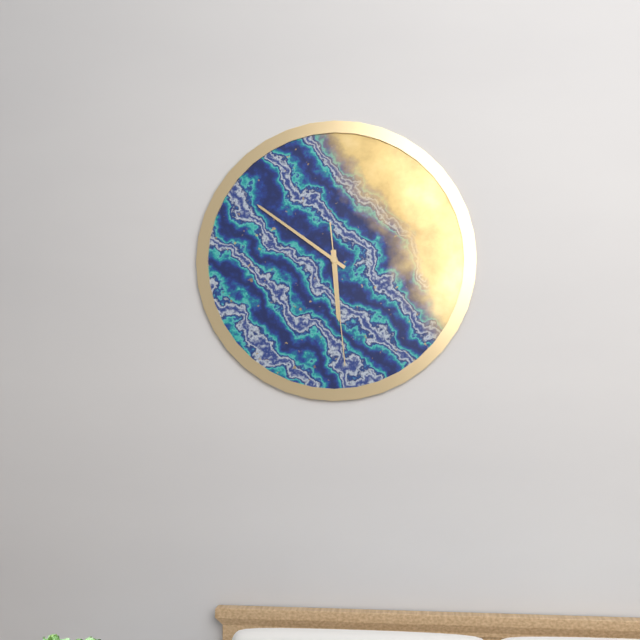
5:51:29
